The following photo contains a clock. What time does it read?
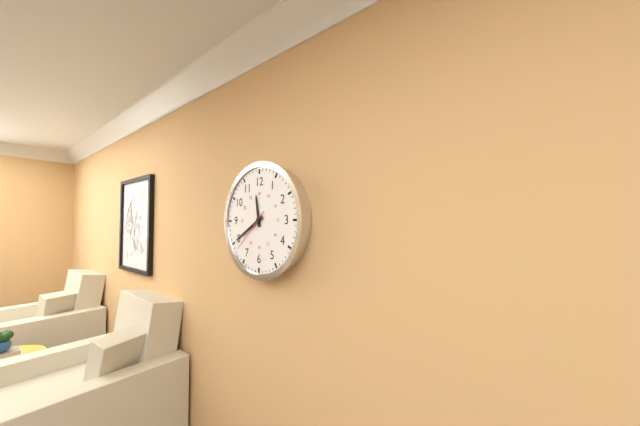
11:40
